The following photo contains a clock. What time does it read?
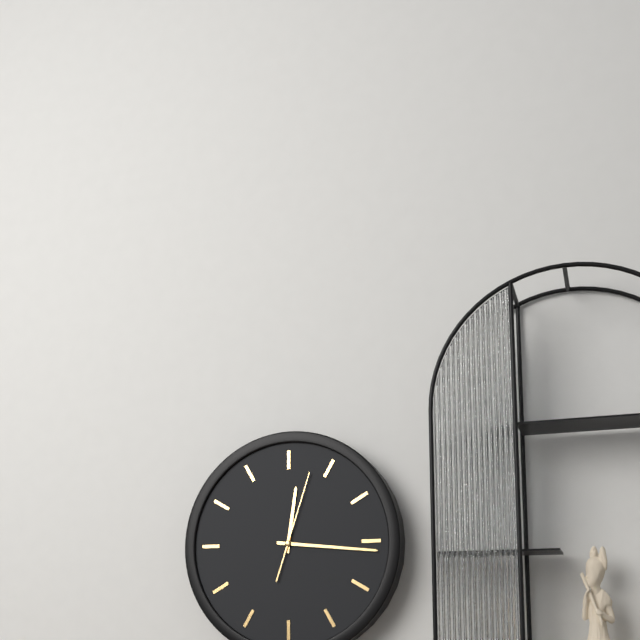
12:16:03
